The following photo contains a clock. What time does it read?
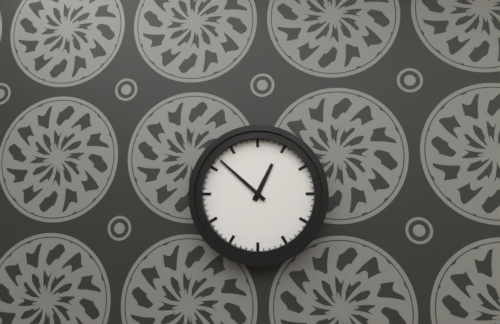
12:52
